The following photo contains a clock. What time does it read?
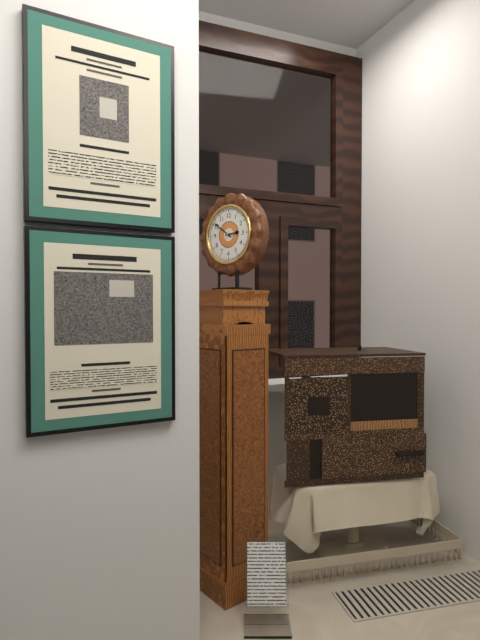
2:51
